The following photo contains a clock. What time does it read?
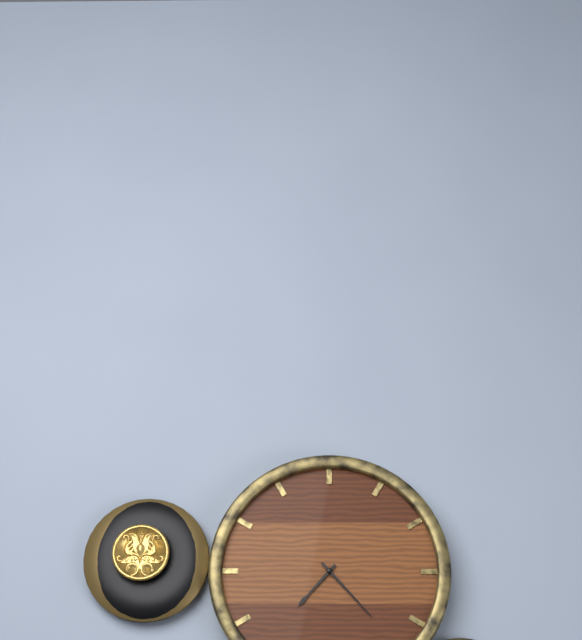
7:23
